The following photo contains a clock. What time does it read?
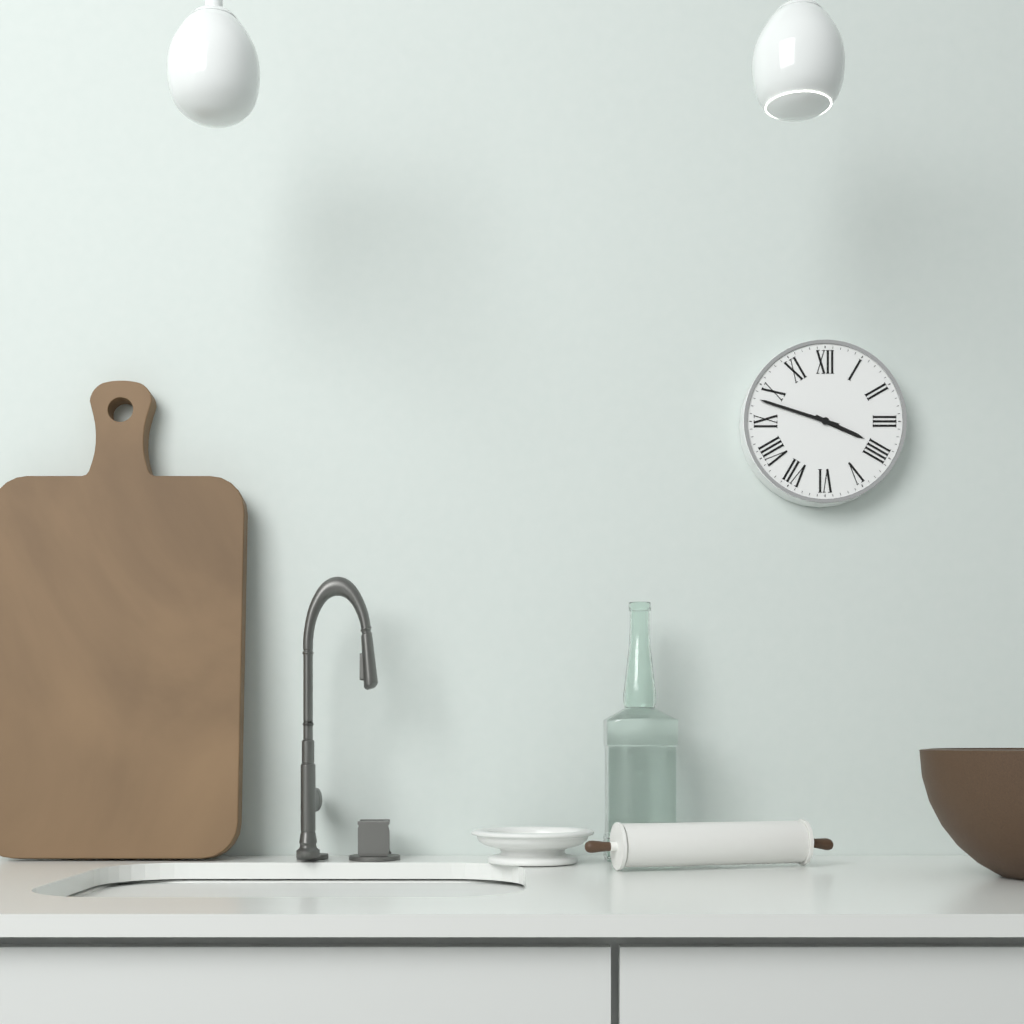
3:48
